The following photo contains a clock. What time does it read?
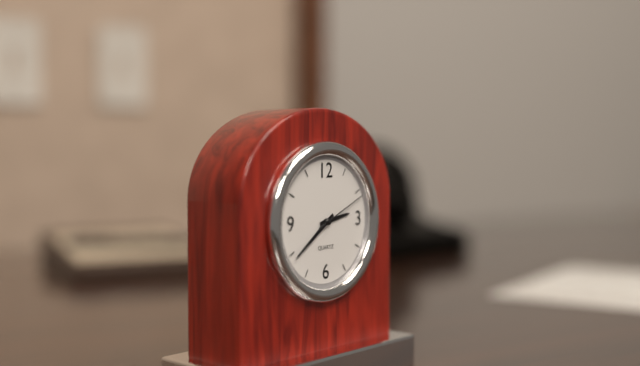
2:39:11
